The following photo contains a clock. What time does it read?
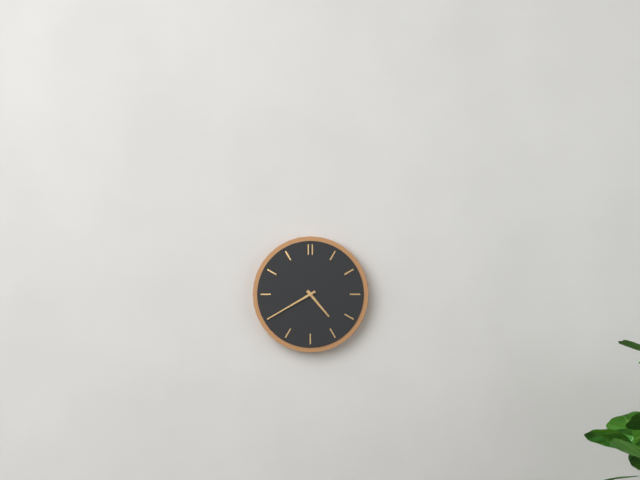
4:40
